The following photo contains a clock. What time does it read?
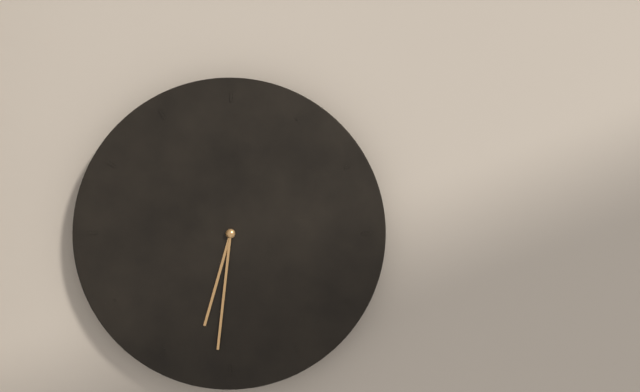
6:31
